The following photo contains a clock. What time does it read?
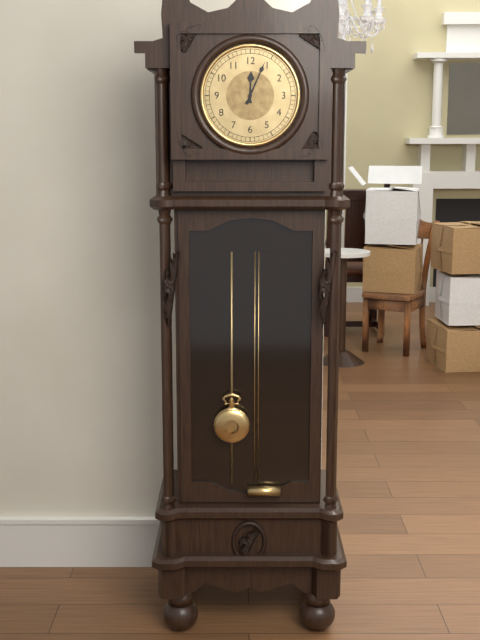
12:04
